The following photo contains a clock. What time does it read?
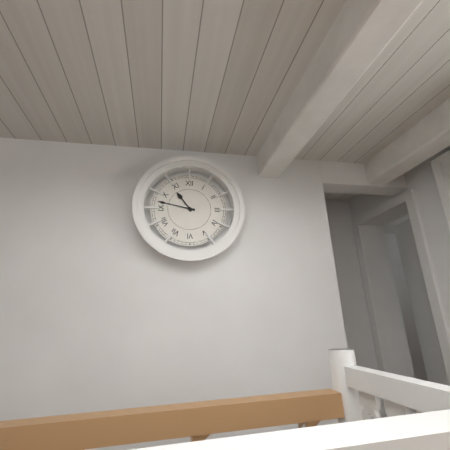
10:47
